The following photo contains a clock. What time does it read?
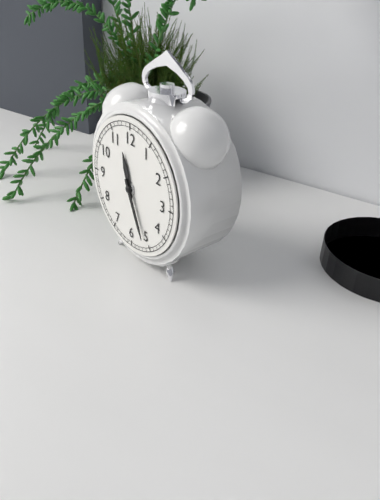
11:26
